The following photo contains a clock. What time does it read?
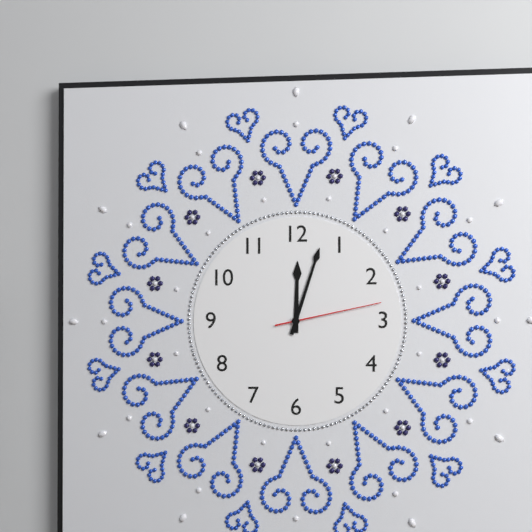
12:03:13
